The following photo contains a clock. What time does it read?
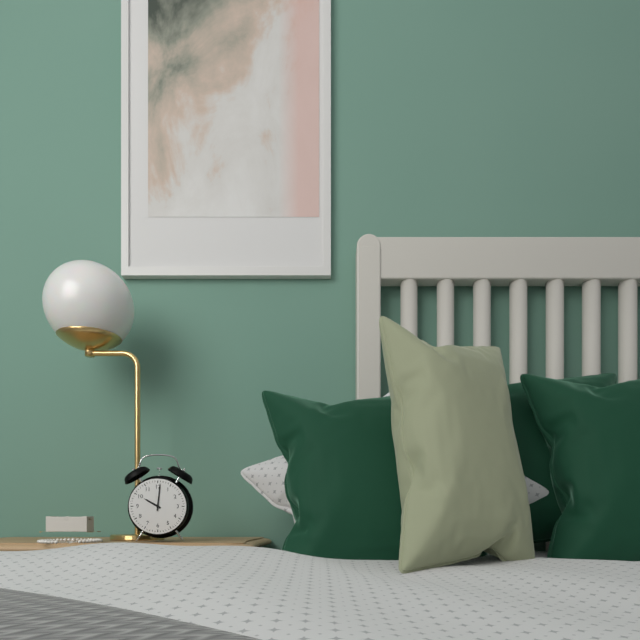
10:01
